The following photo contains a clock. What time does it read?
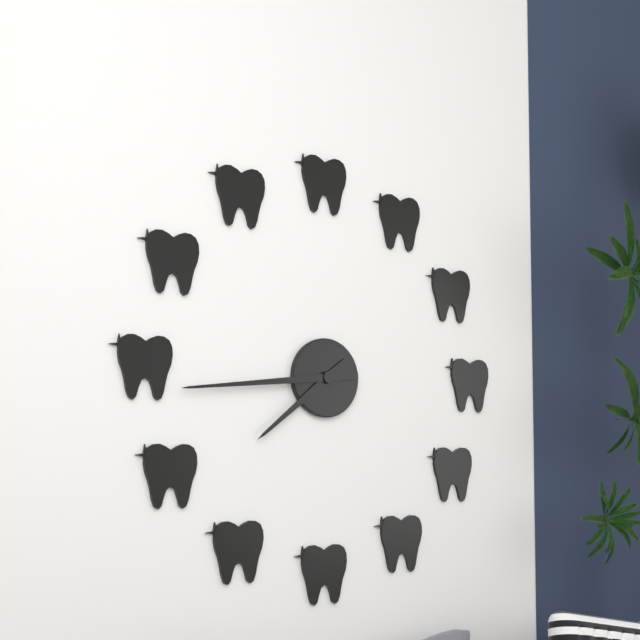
7:44
